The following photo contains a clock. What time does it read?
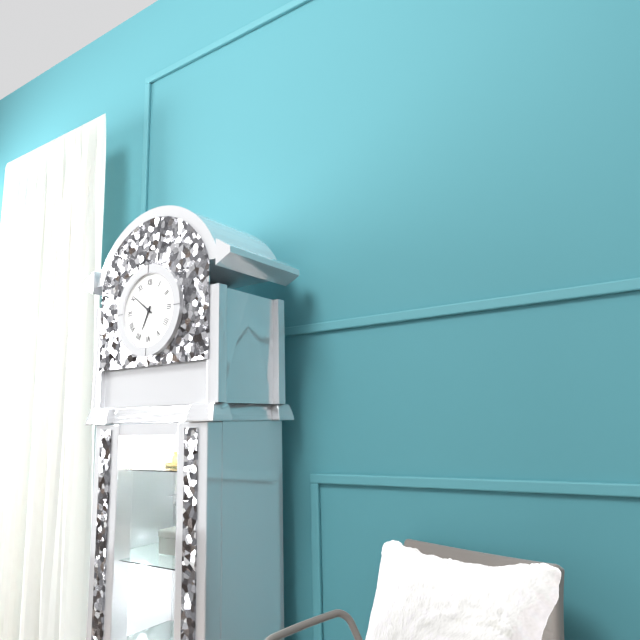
6:51
